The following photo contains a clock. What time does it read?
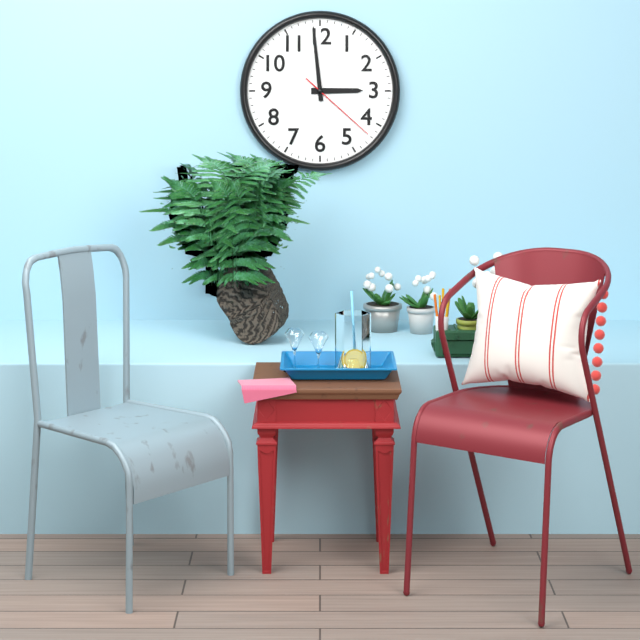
2:59:22
